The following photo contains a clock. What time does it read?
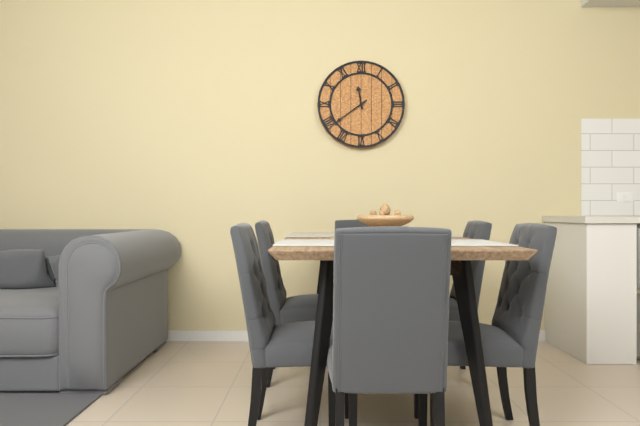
11:39
